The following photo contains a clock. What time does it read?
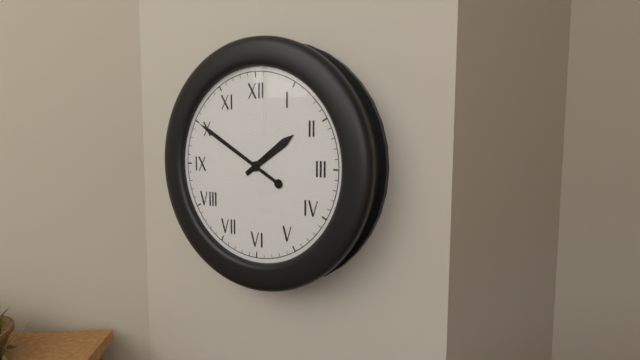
1:50
